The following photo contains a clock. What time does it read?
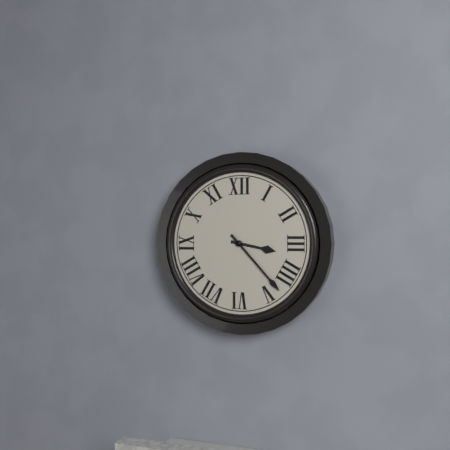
3:23
